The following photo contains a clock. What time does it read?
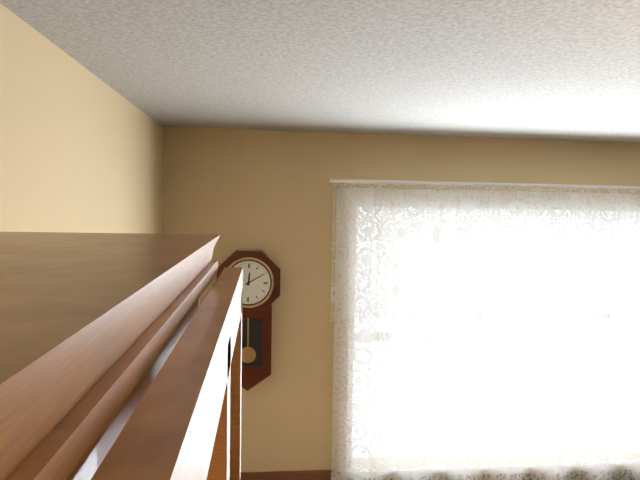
12:10
